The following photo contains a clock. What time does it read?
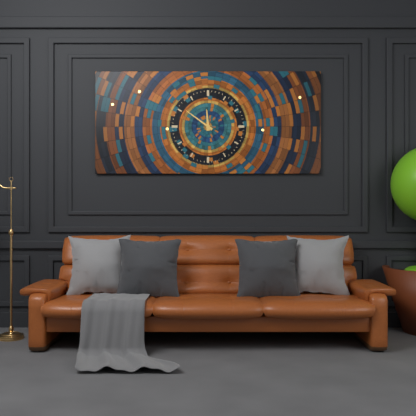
11:51
